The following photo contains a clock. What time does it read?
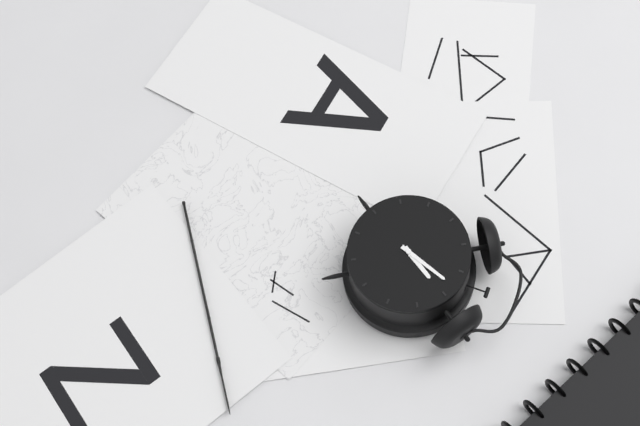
1:03
